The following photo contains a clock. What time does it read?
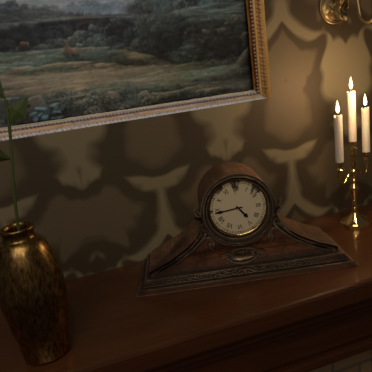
4:44
